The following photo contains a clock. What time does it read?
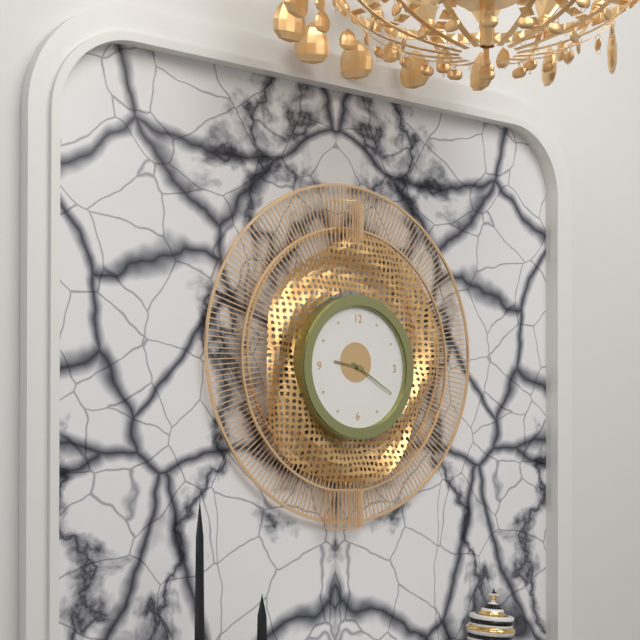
9:20
